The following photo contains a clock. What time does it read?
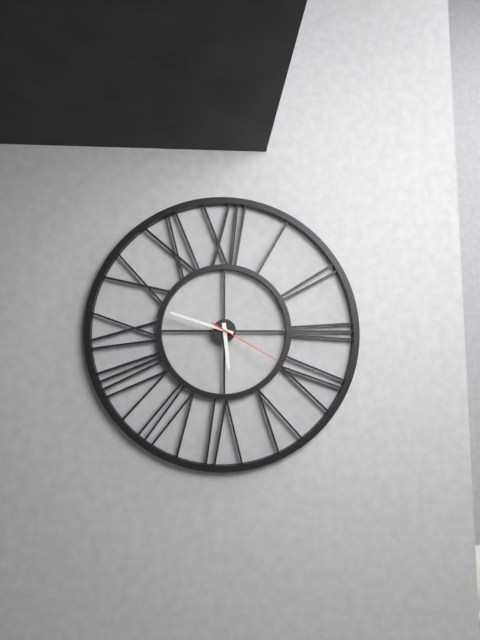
5:48:20
